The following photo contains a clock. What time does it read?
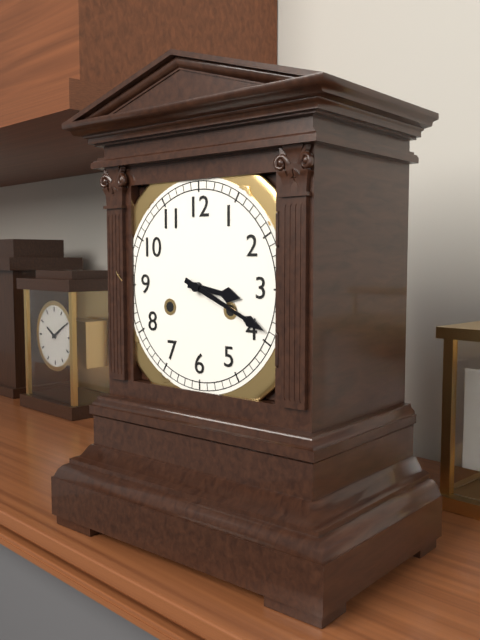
3:19
